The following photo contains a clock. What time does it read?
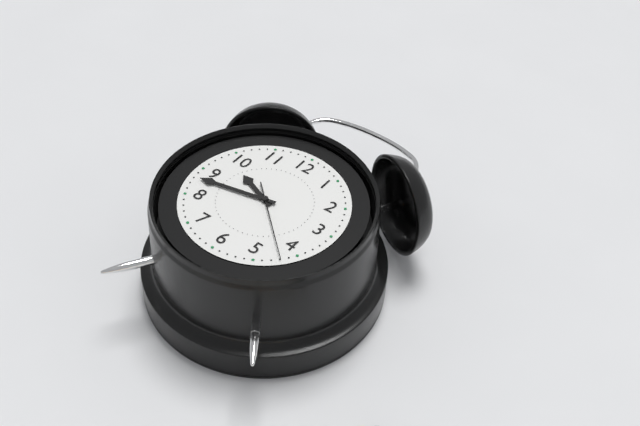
9:43:22
